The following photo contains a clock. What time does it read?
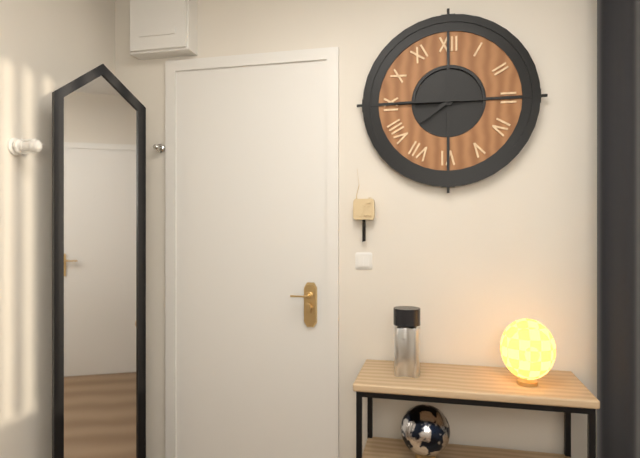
7:45
